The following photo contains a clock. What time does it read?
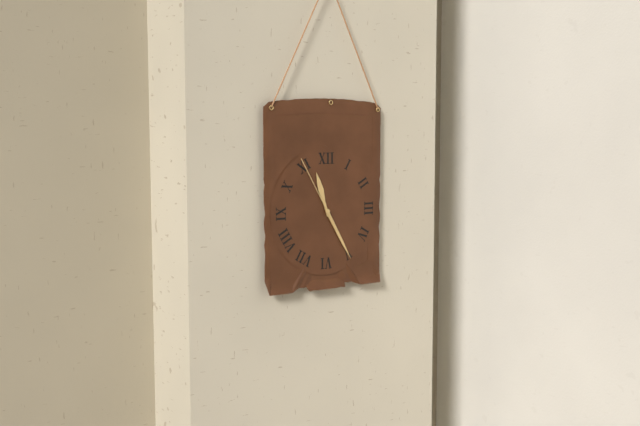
11:25:55
